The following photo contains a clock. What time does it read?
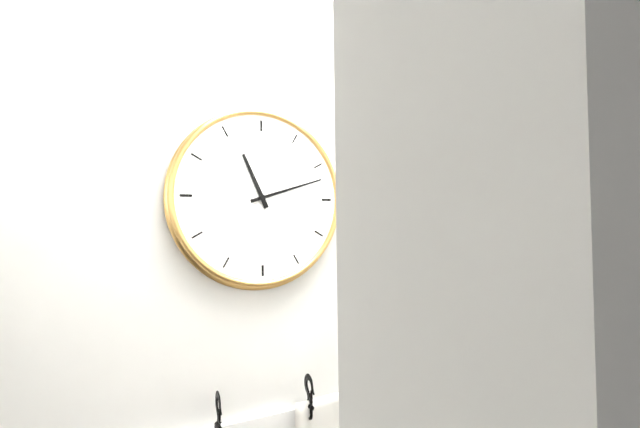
11:12
